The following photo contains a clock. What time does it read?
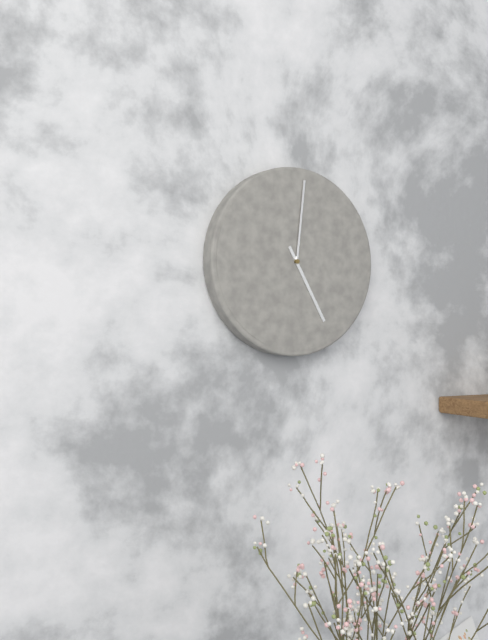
5:01
